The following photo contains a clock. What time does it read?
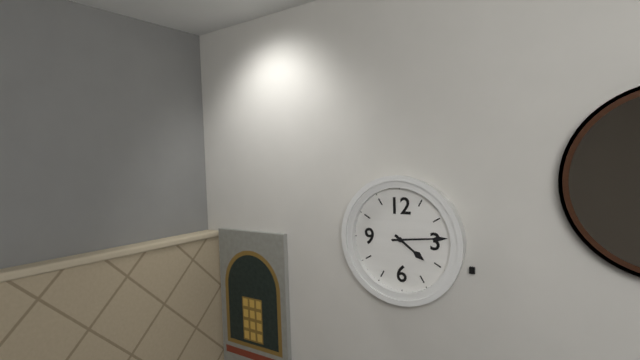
4:14
